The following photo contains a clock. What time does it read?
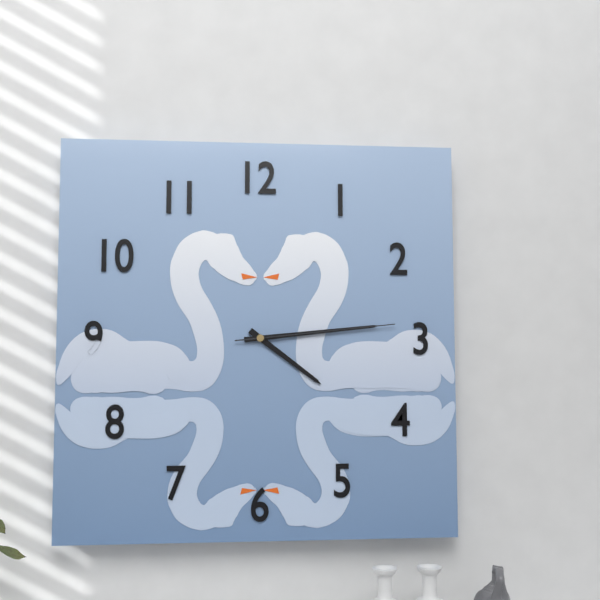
4:14:14
